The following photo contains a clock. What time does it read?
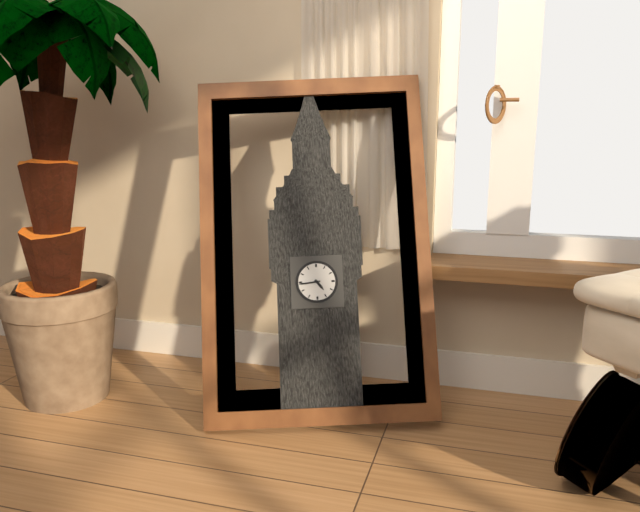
4:44
